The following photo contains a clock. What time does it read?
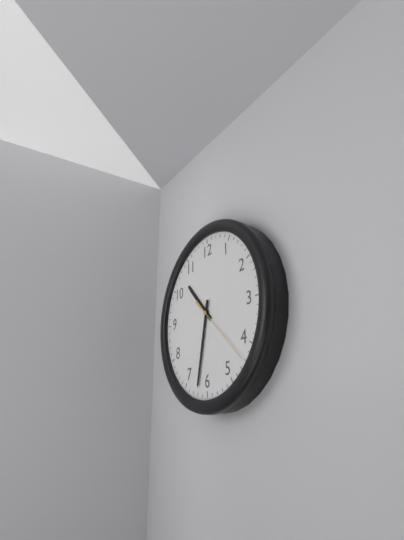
10:32:22
